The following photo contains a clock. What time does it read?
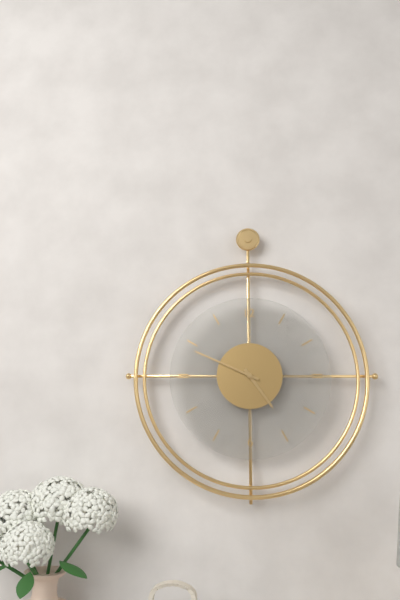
4:49
